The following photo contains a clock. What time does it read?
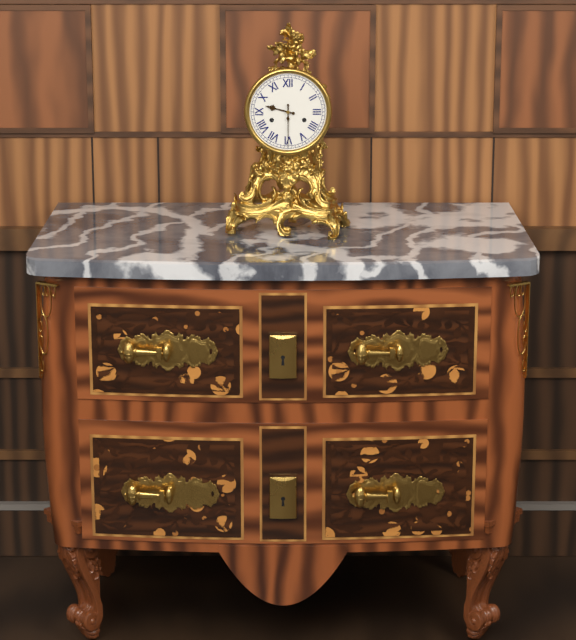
9:30
